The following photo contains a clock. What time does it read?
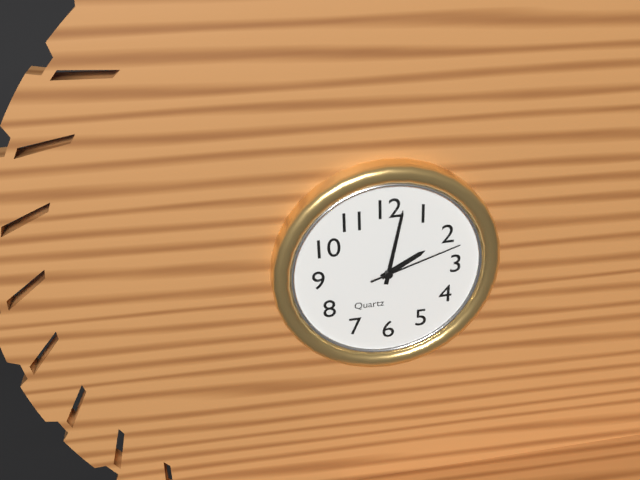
2:02:12
